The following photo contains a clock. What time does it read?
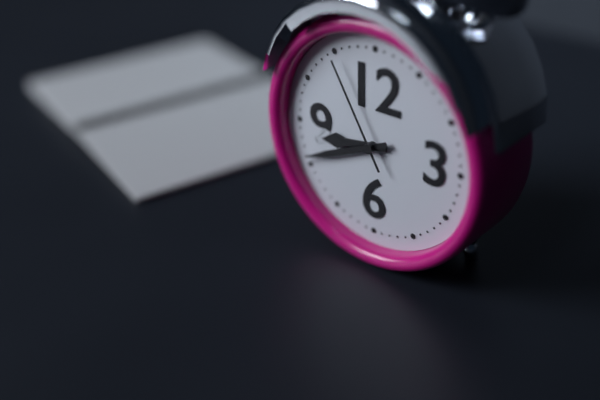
8:41:55
